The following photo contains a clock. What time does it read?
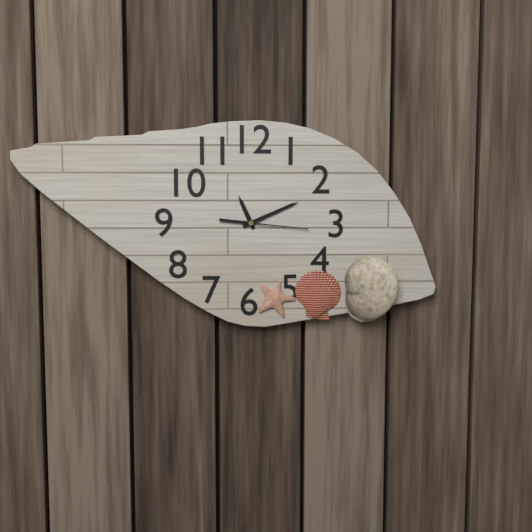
11:11:16
